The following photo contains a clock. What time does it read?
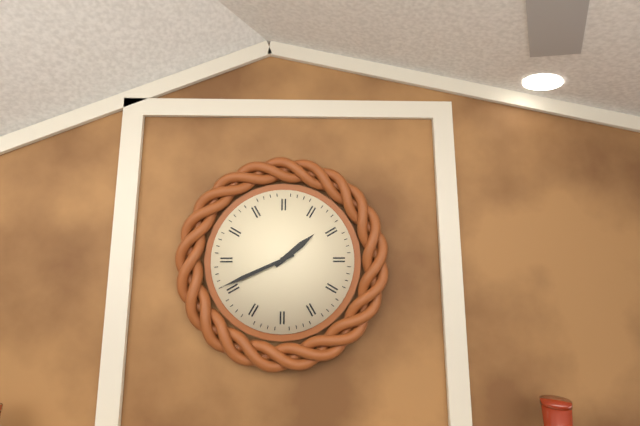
1:41
